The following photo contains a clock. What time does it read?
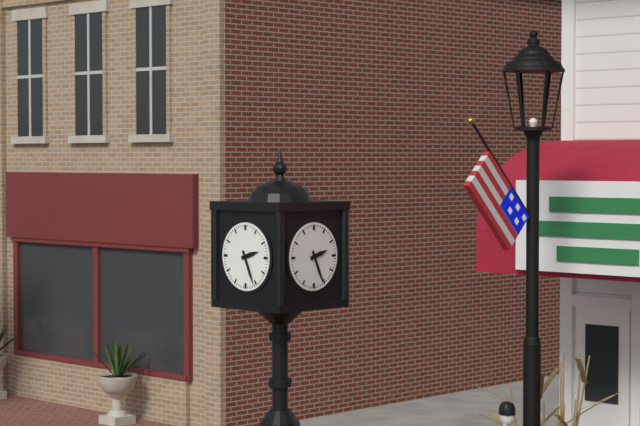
2:26
